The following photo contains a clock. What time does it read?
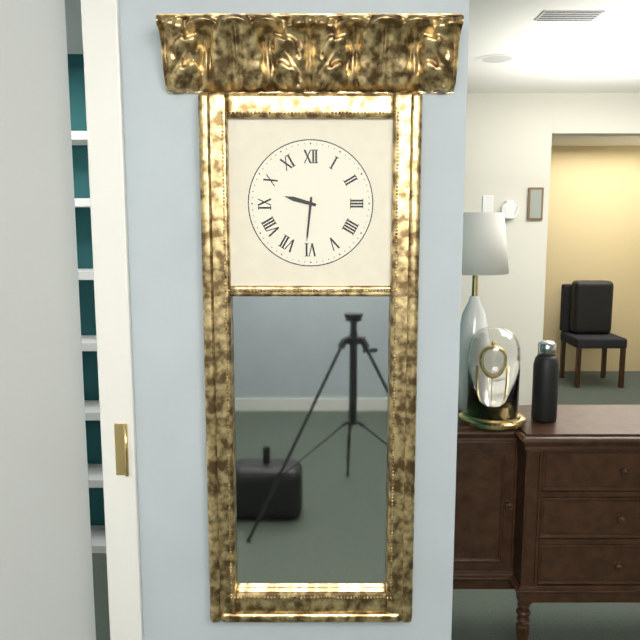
9:31
